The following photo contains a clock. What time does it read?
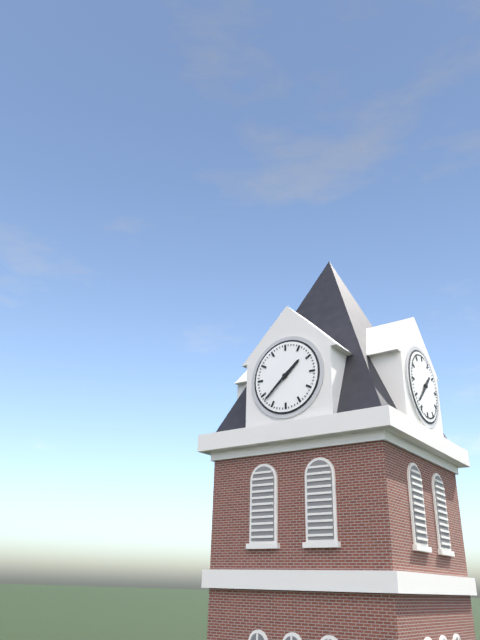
1:38
